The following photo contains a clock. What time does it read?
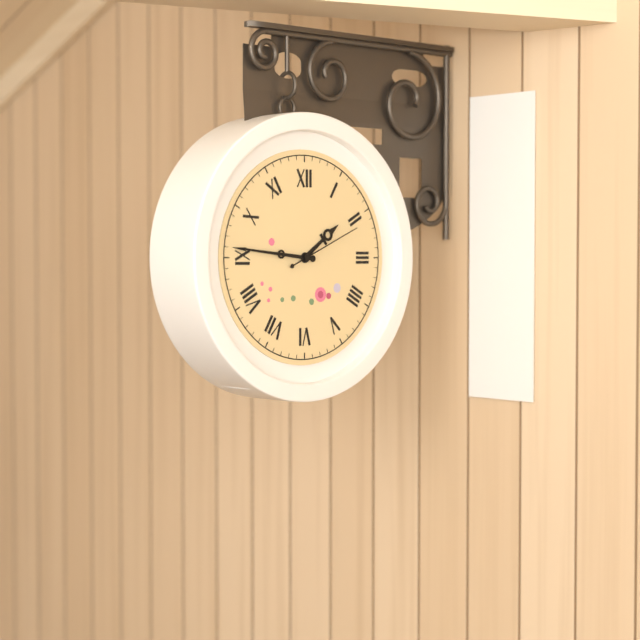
1:46:11
